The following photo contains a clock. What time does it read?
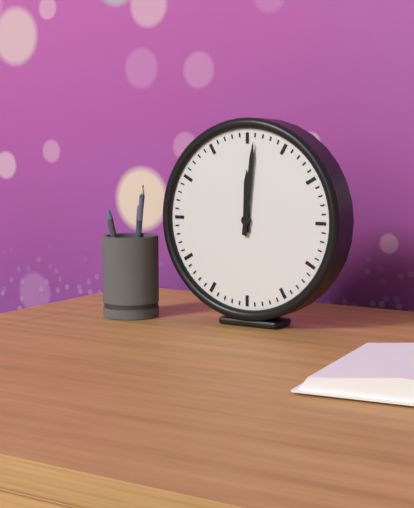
12:01
